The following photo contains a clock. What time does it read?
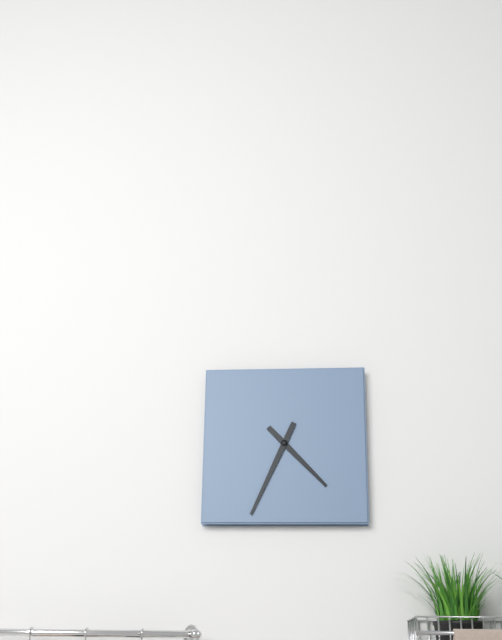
4:34
